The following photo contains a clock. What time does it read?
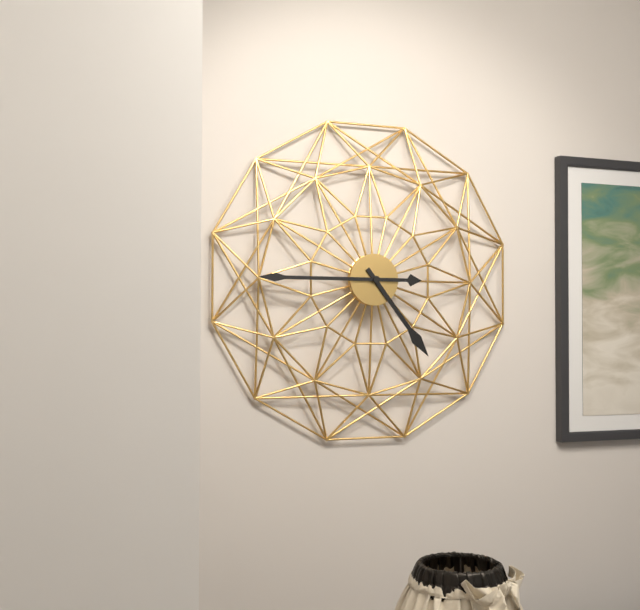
4:45
